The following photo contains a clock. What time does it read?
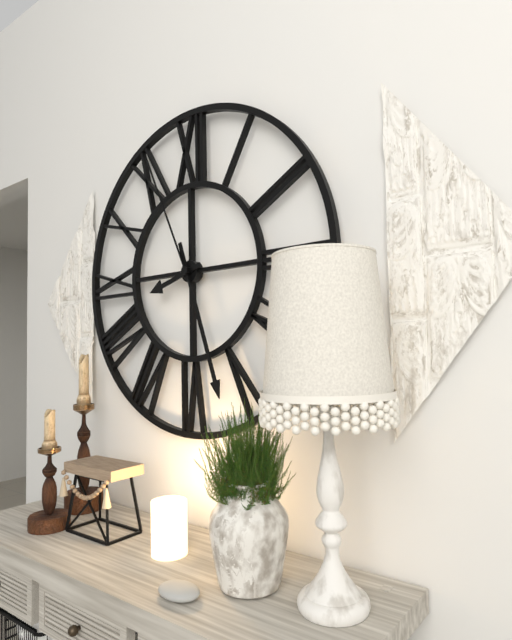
8:27:56
